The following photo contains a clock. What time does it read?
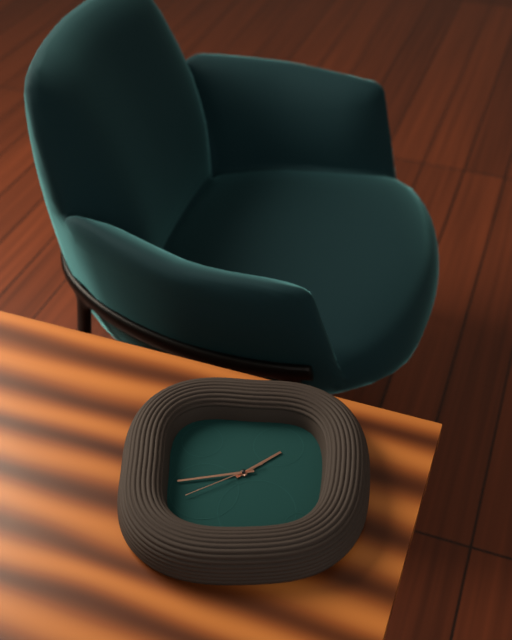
1:43:40
